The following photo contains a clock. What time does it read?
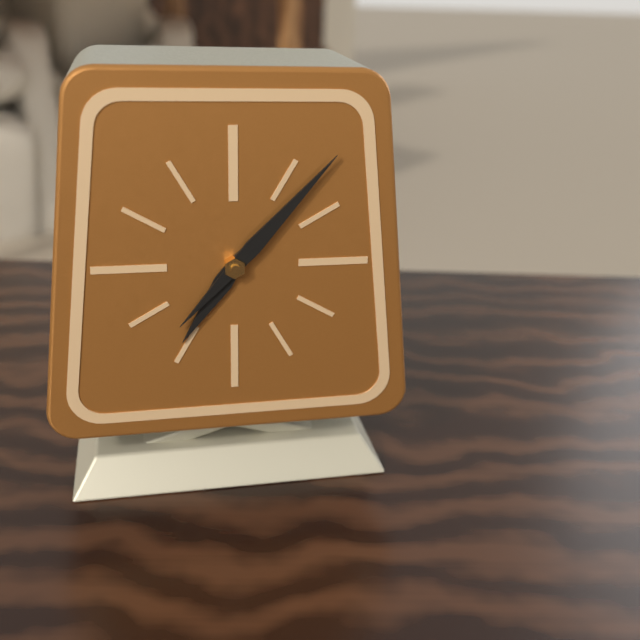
7:07
